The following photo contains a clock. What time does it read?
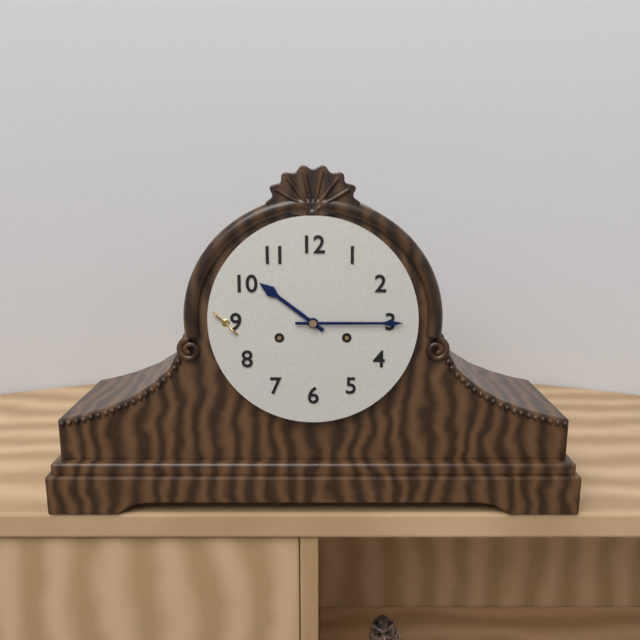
10:15
